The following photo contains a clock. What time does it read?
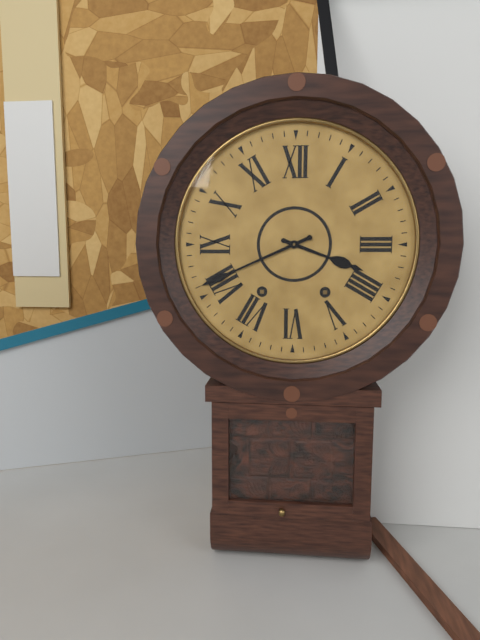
3:41
